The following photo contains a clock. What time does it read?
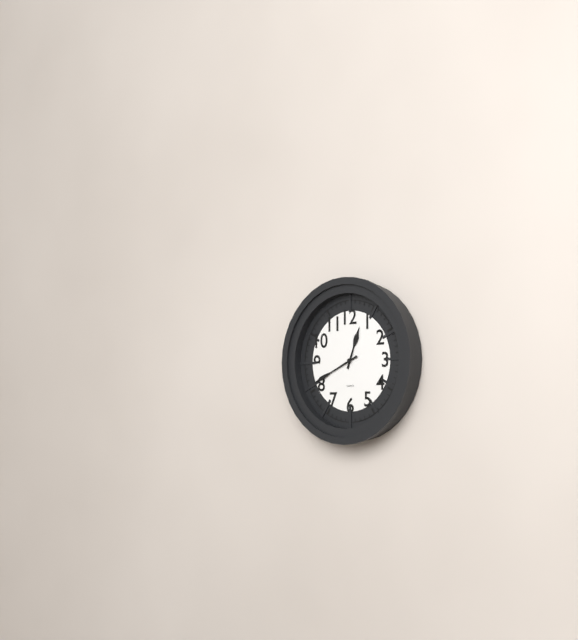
12:41
